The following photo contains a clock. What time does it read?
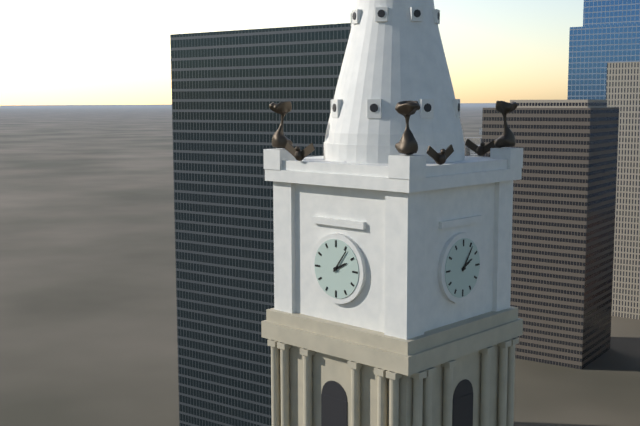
2:06
